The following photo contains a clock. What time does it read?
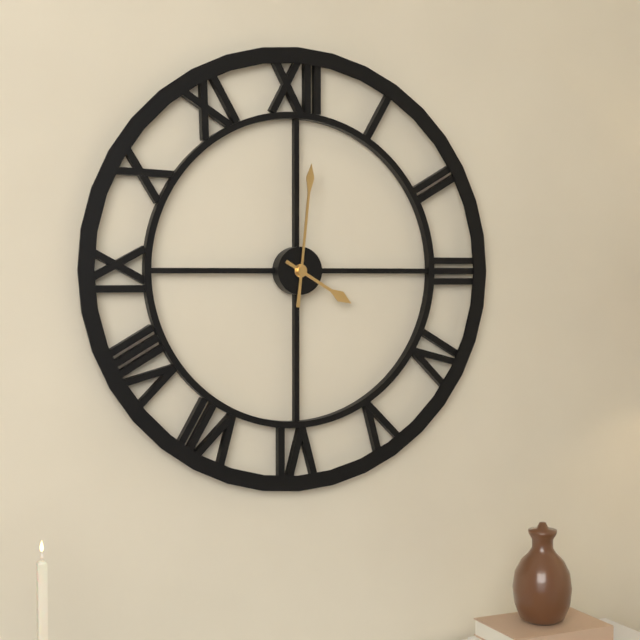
4:01
